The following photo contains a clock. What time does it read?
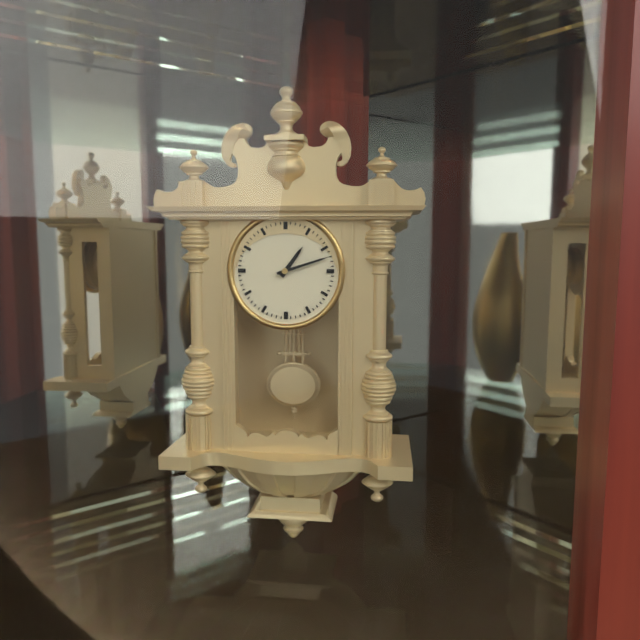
1:12
